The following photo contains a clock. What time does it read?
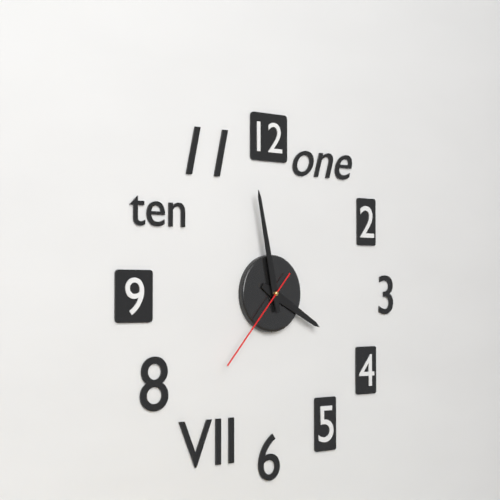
3:58:37
